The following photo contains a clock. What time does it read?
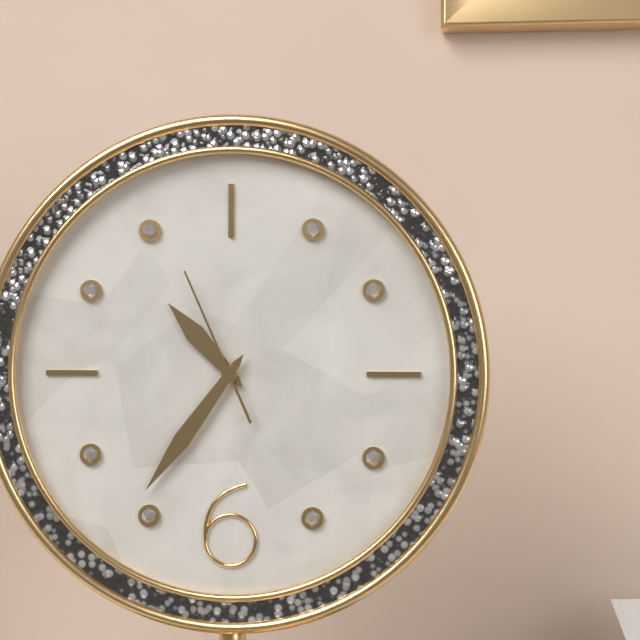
10:36:56
